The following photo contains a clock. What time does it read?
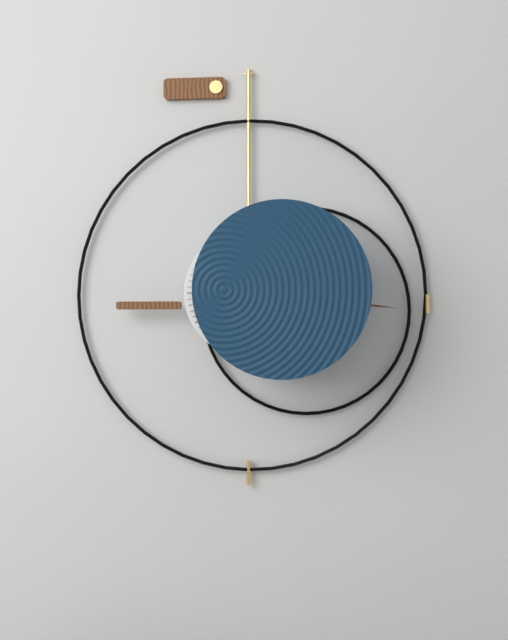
12:16
